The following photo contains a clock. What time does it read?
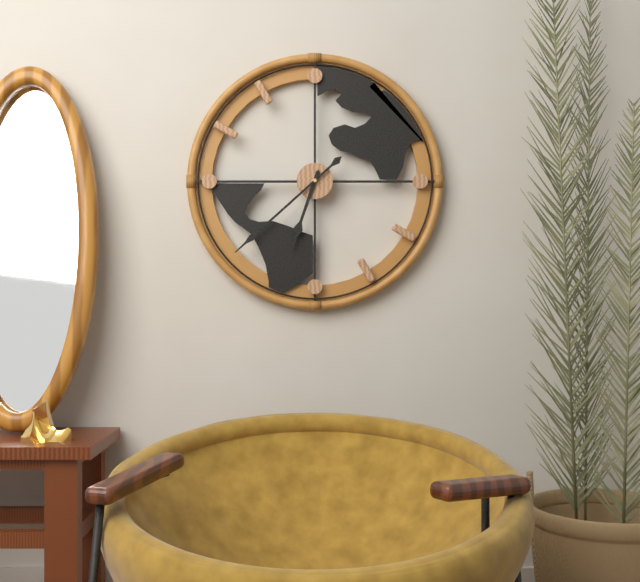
6:38
